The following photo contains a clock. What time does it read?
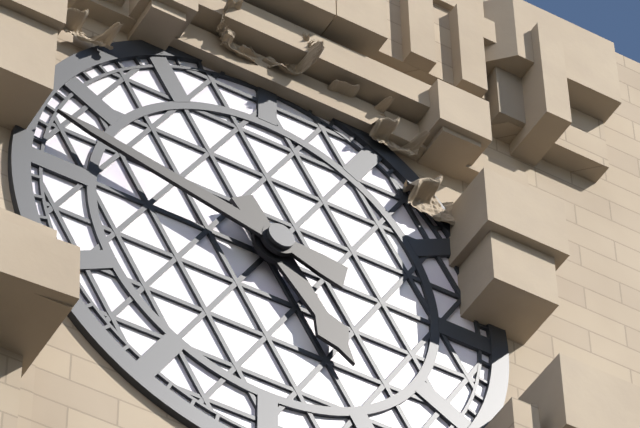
4:47
